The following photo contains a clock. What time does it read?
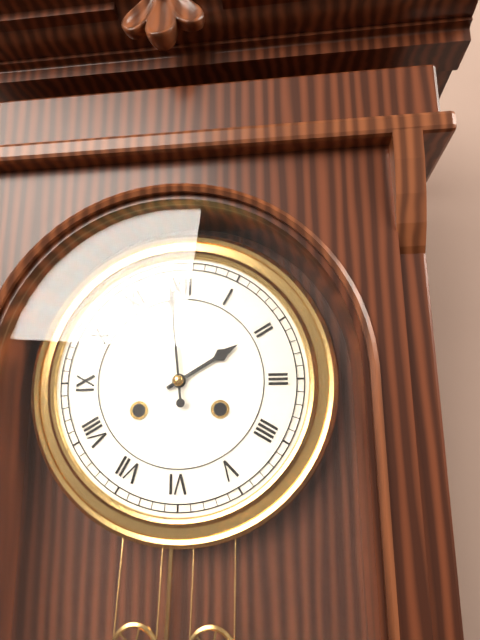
1:59
